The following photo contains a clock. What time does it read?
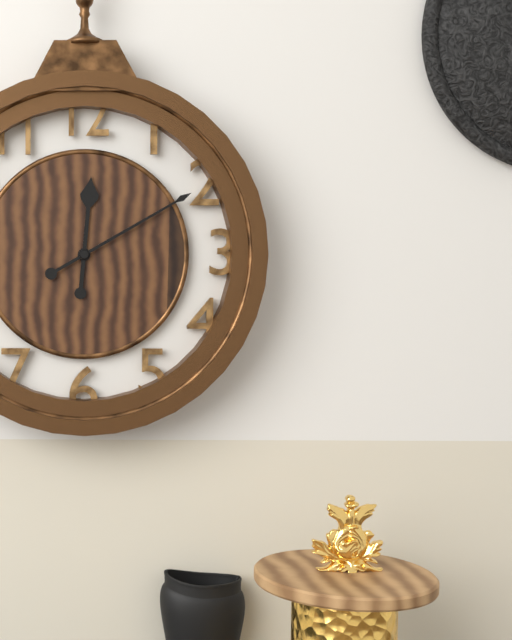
12:10
